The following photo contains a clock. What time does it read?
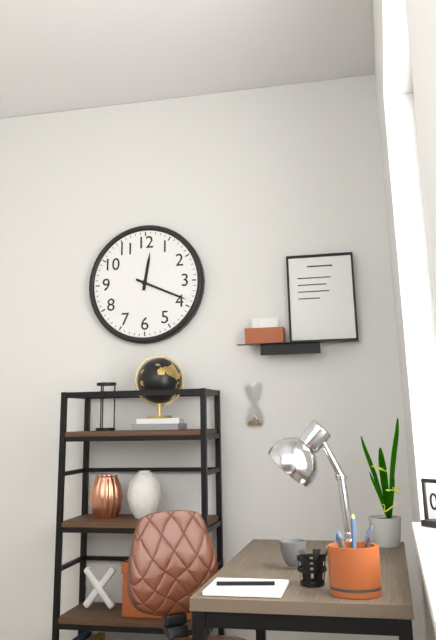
12:19
